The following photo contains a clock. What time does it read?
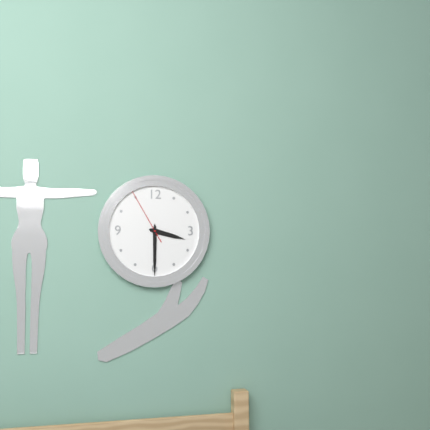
3:30:55
